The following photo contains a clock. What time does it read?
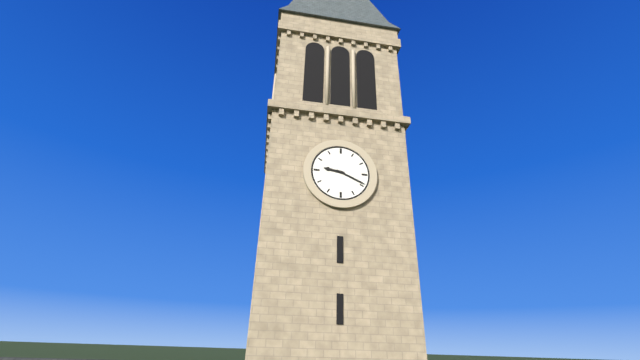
9:19
